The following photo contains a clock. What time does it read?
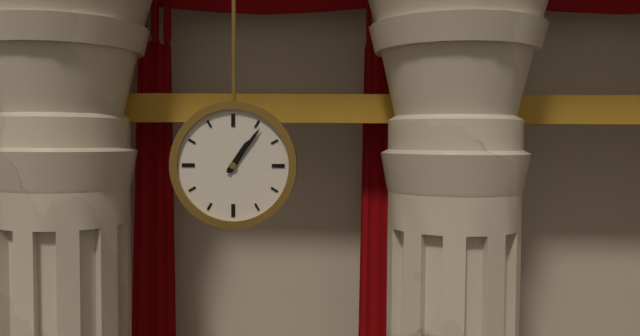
1:06
